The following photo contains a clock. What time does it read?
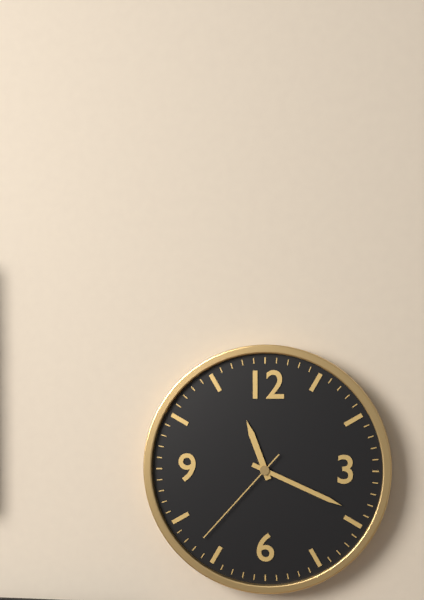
11:19:37
